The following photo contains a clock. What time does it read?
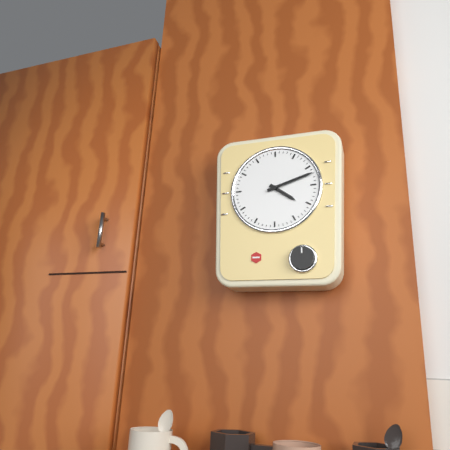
4:12
